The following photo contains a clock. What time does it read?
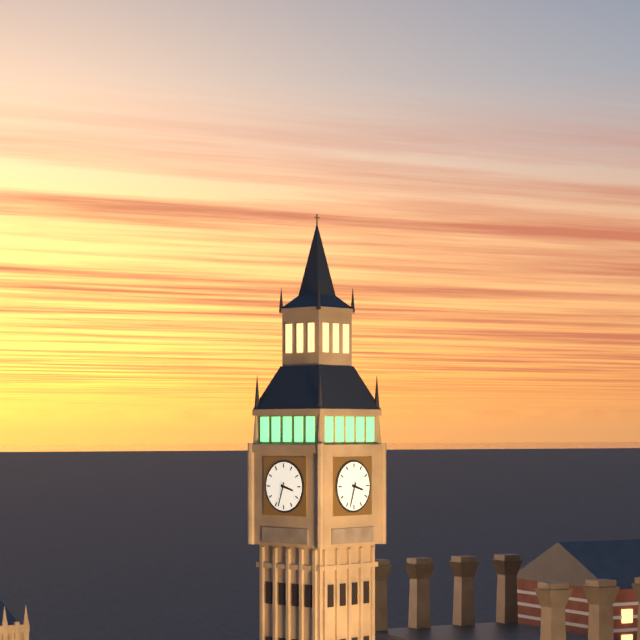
3:33
